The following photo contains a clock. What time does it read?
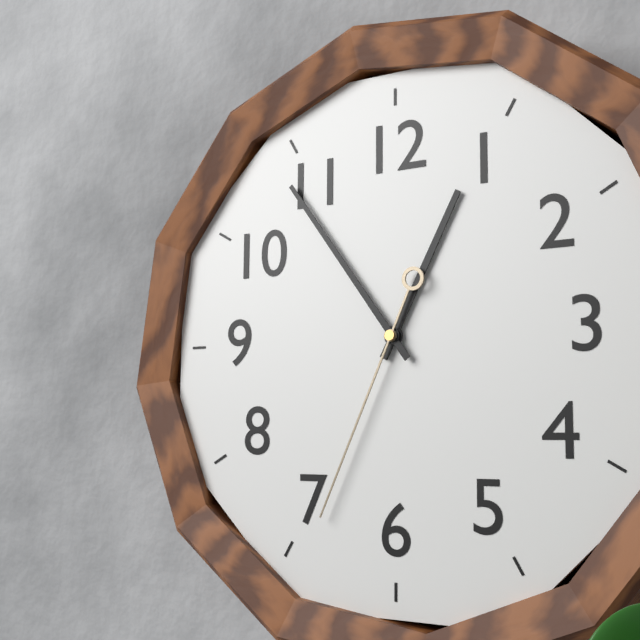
12:54:34
